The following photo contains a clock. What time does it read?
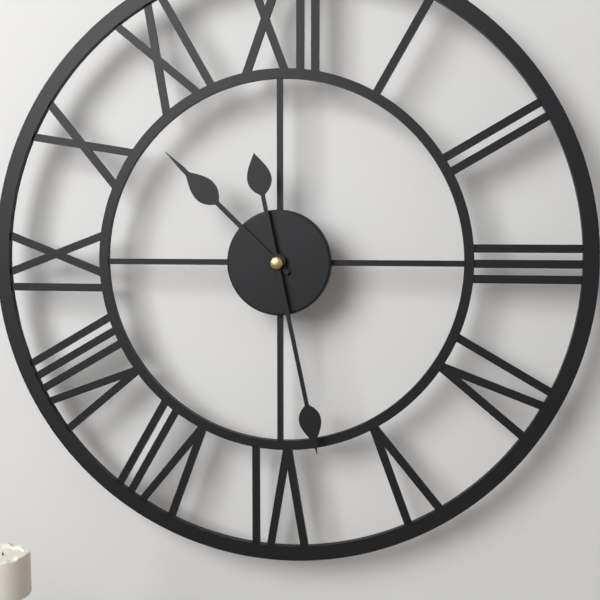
10:28
